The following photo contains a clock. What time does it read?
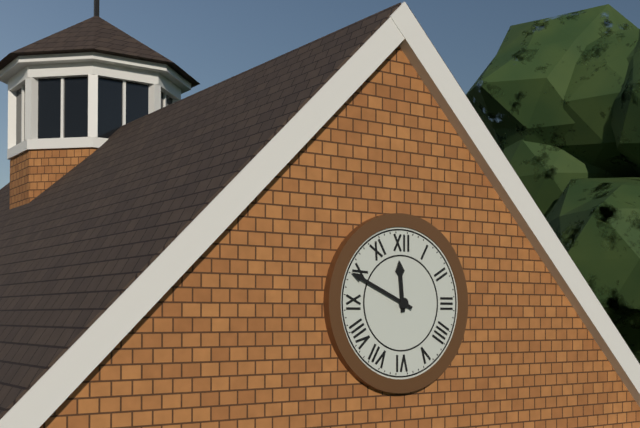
11:49
